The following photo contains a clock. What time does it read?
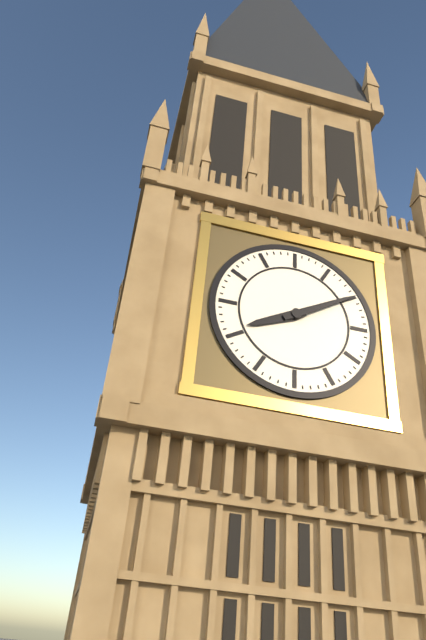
8:10
